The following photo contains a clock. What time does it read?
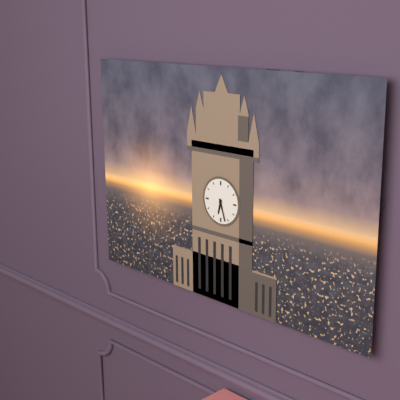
6:27
